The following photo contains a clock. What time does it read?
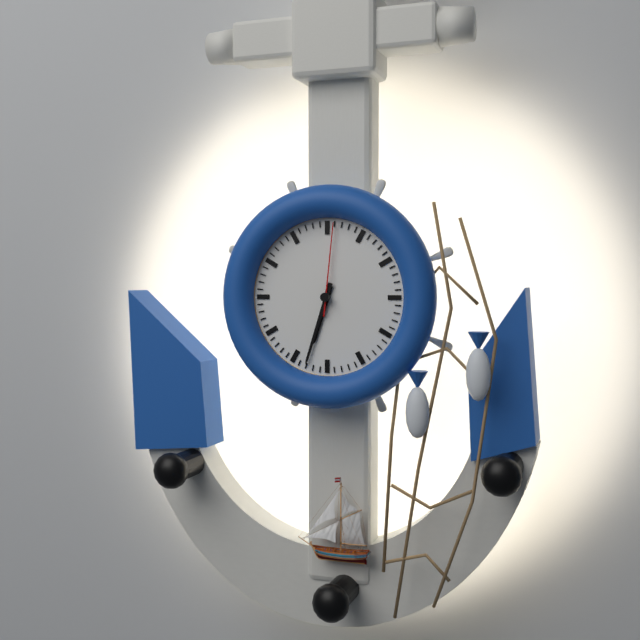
6:33:01
